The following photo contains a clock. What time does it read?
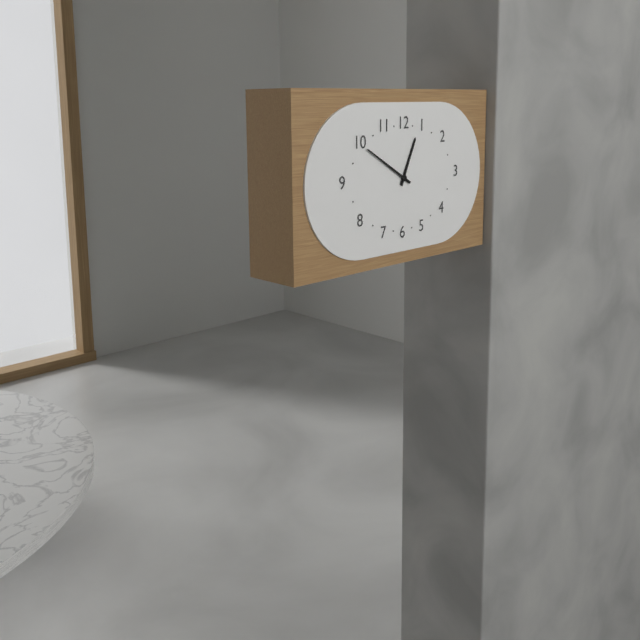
12:50
